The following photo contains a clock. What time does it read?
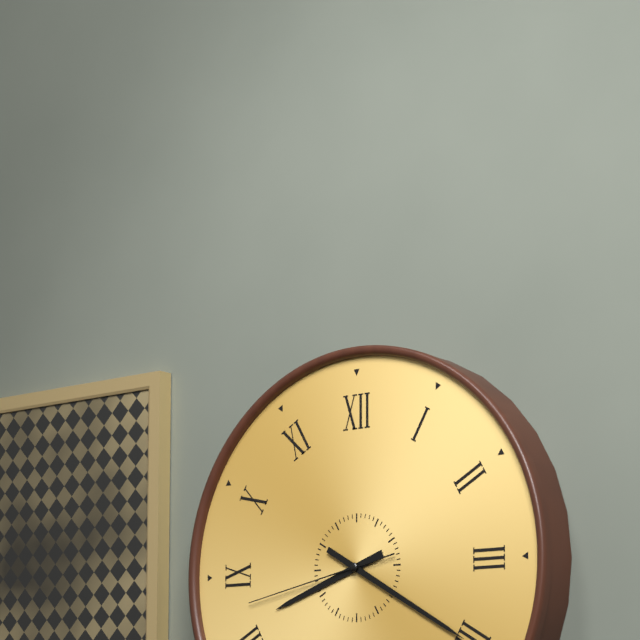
8:20:43
